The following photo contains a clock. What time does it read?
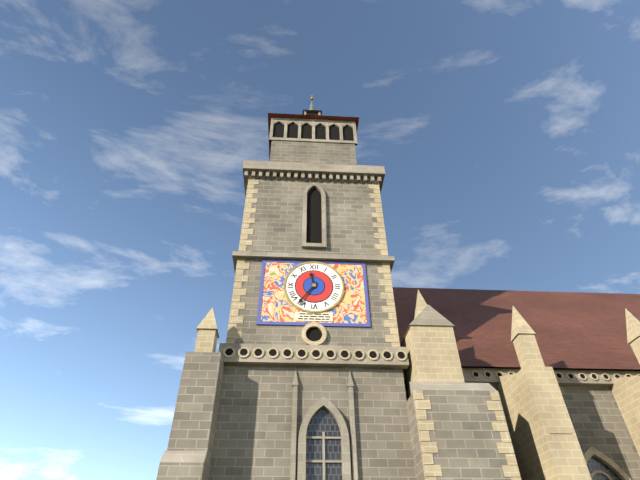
11:36
